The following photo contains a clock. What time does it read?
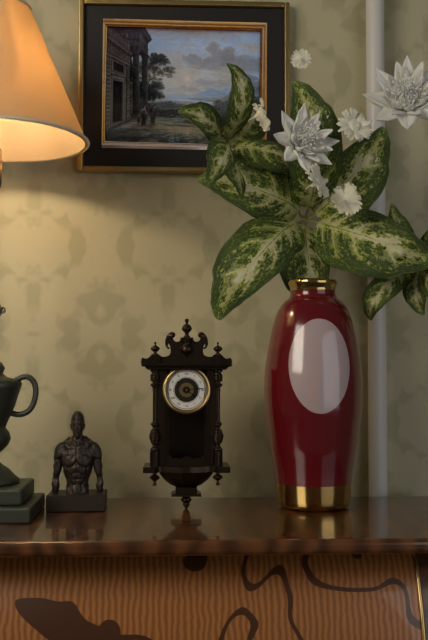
4:14
